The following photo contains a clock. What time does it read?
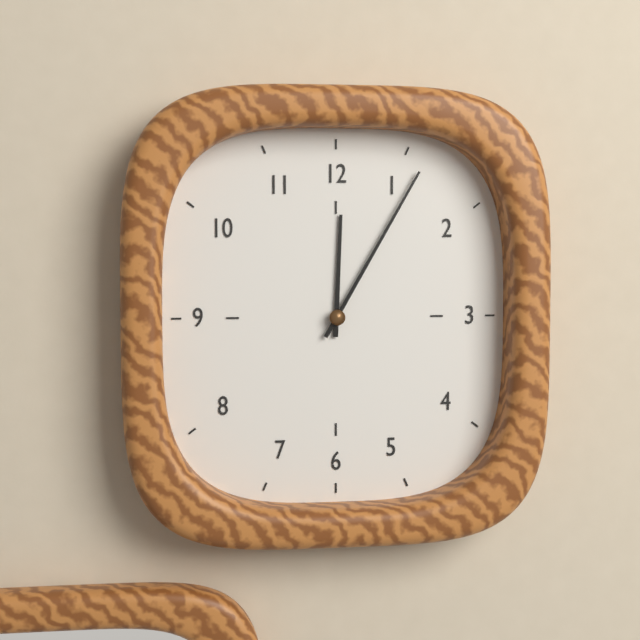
12:05
